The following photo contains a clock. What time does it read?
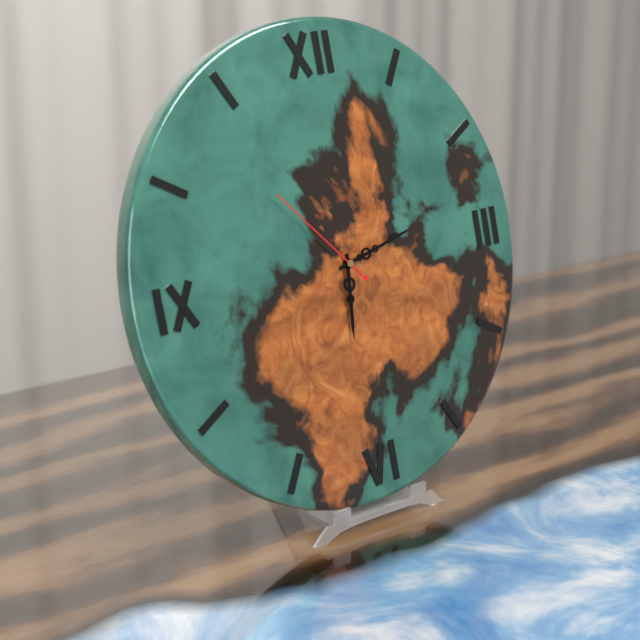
6:13:53
